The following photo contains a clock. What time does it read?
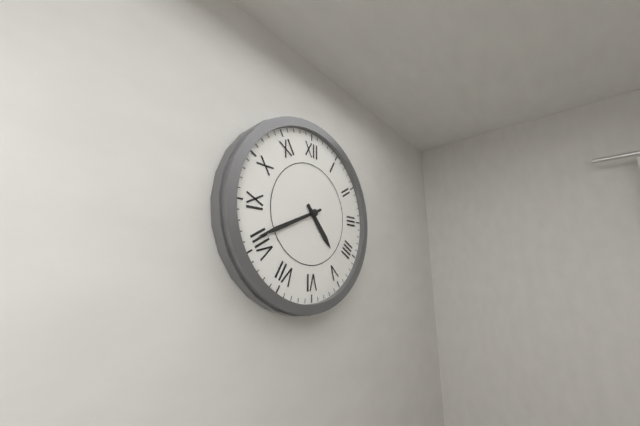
4:41
